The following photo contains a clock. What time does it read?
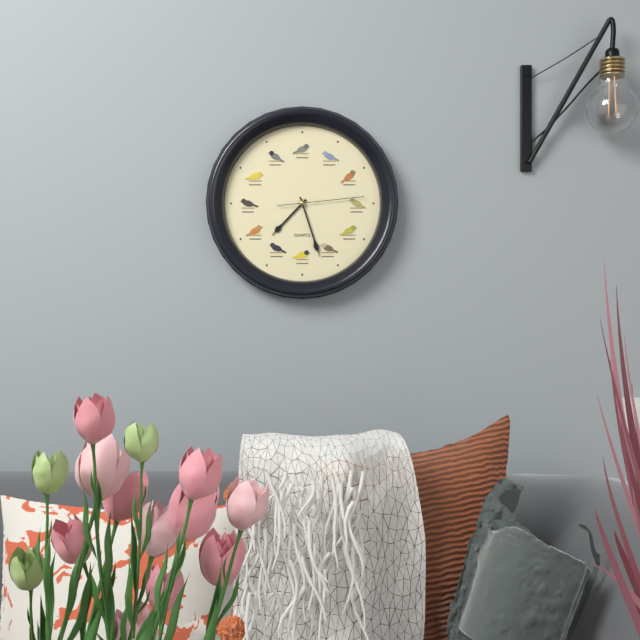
7:27:14
